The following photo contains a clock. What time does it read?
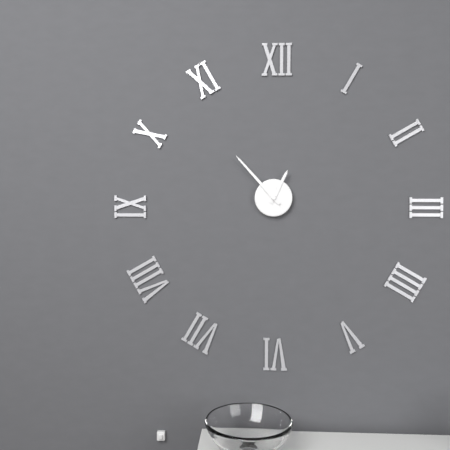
12:53
